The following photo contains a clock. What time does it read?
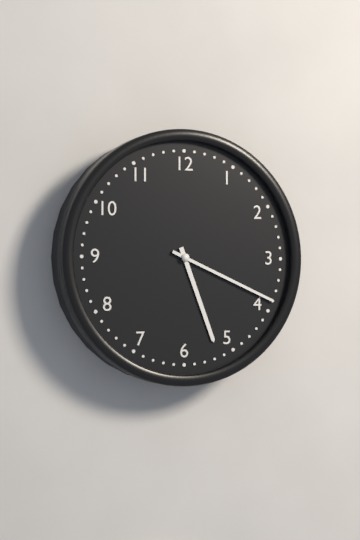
5:19
